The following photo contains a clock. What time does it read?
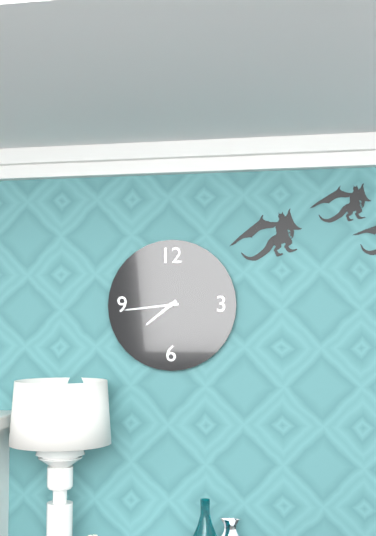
7:44
